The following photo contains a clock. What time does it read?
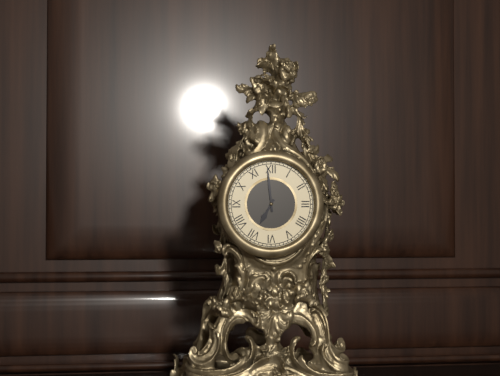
6:59
